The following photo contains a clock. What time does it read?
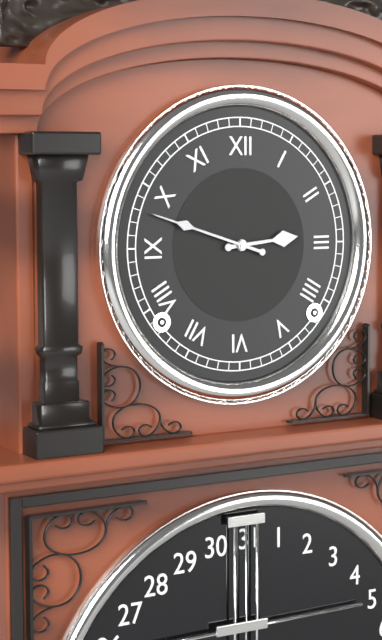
2:48
